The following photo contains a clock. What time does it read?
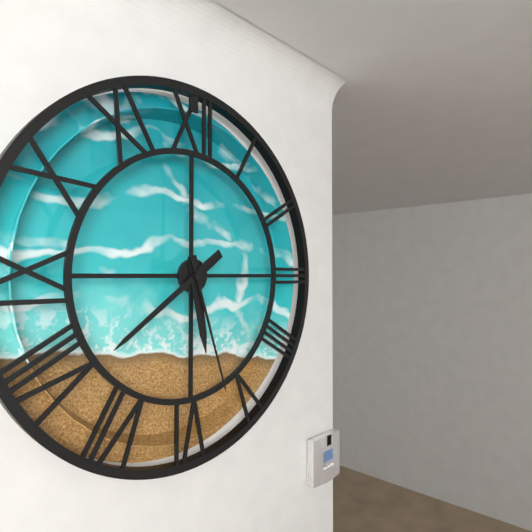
5:39:27
